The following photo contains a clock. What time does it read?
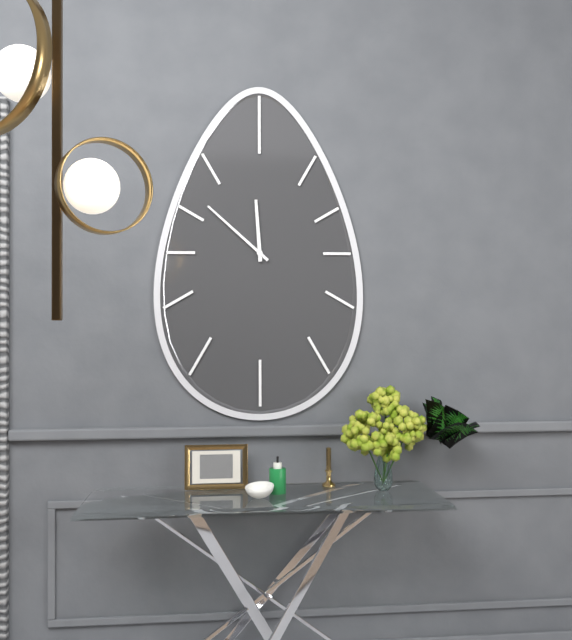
11:52
